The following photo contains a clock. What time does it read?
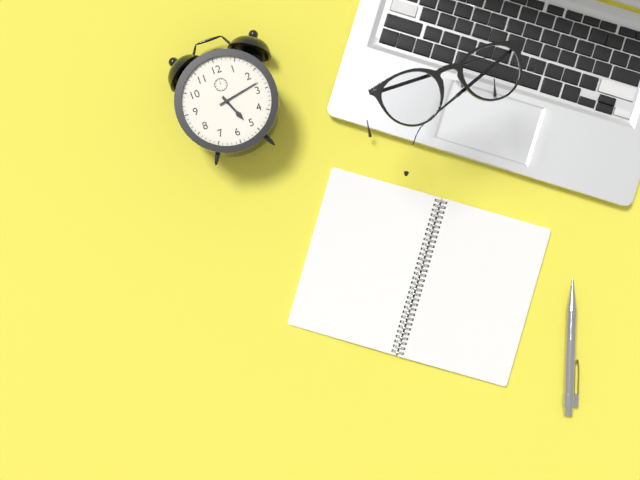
5:13
